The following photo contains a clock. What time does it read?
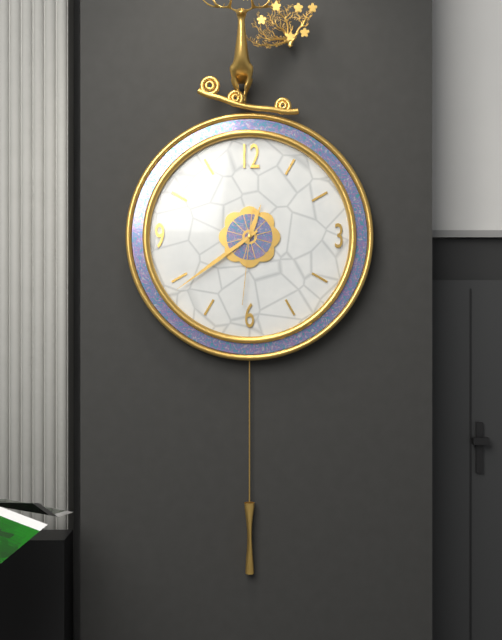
12:39:31
